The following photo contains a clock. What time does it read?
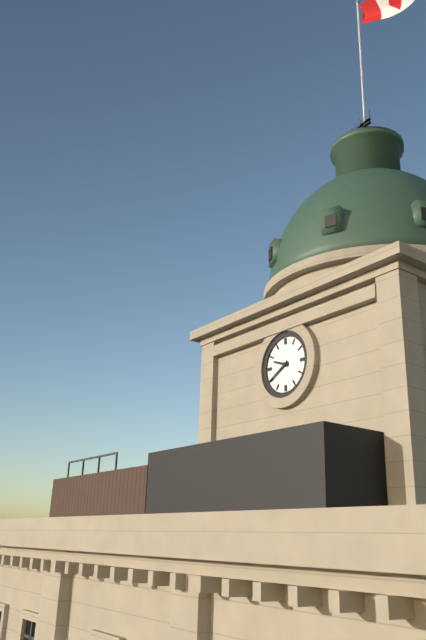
9:40
